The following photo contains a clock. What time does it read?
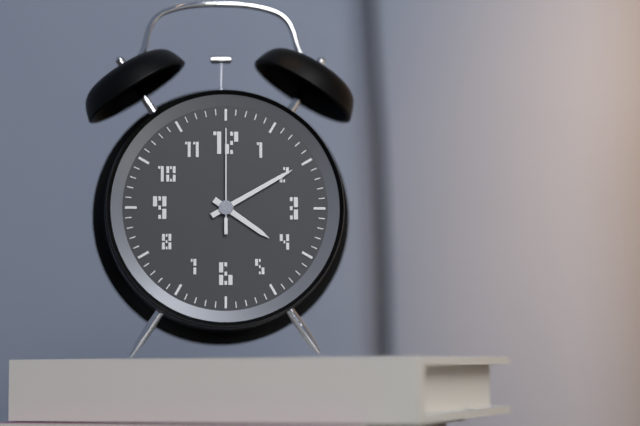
4:10:00
